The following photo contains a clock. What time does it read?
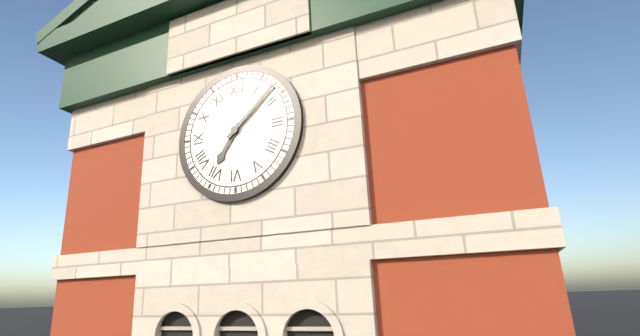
7:08
